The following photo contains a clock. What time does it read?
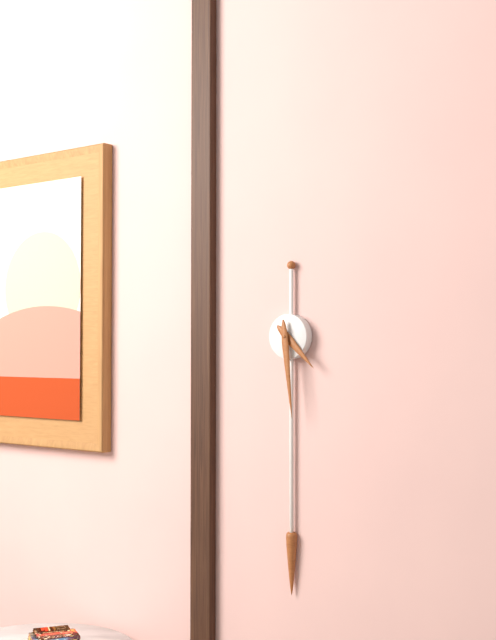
4:29
